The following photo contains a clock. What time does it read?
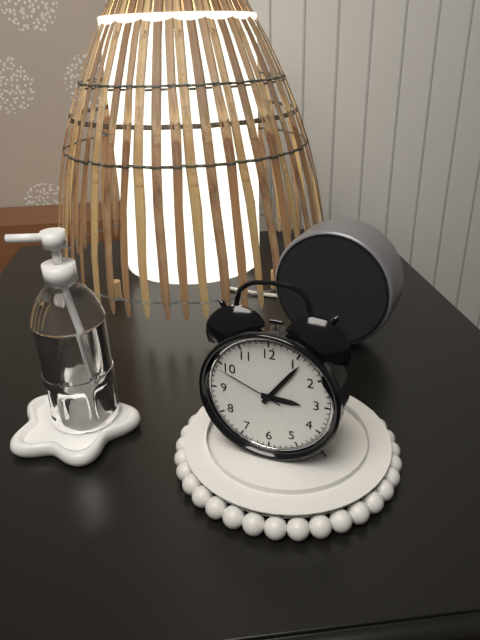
3:06:49
